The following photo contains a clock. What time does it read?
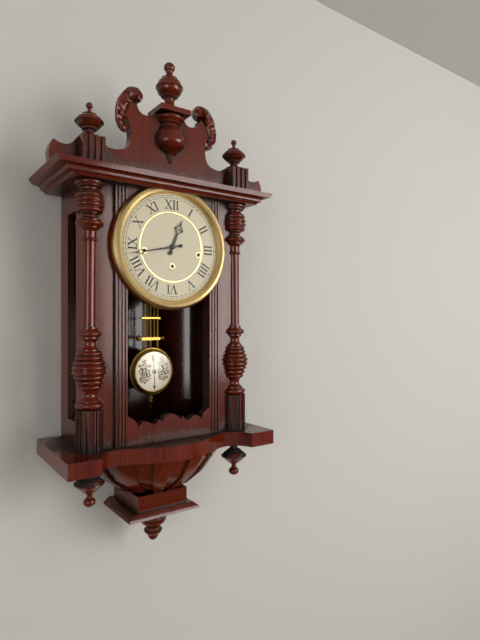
12:43
